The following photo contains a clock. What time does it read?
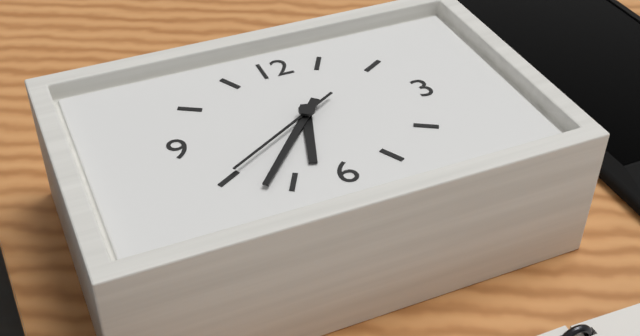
6:37:40
